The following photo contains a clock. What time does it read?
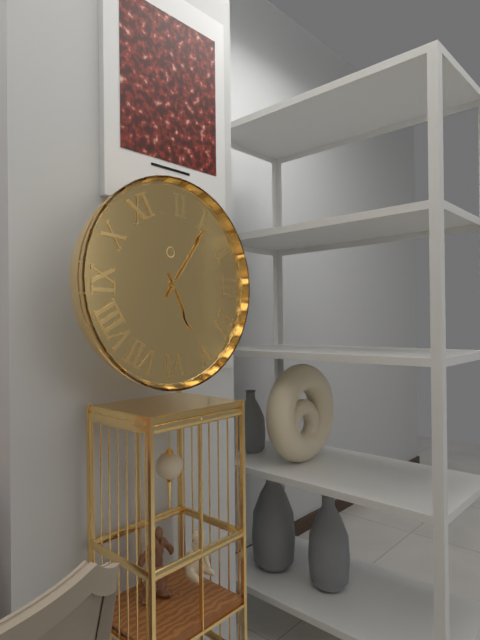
5:06
